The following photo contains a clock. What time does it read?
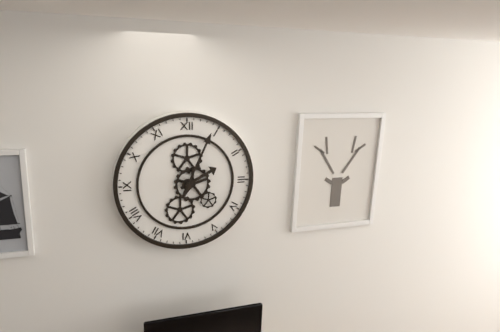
2:04
